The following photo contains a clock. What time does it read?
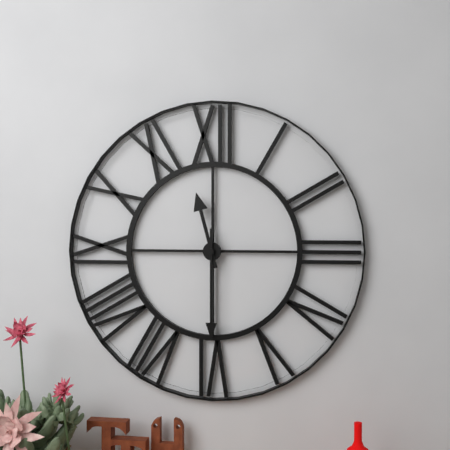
11:30
